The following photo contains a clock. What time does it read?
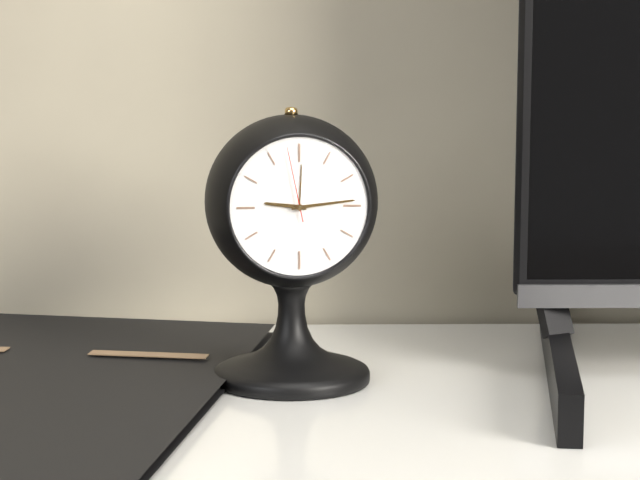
9:14:58
